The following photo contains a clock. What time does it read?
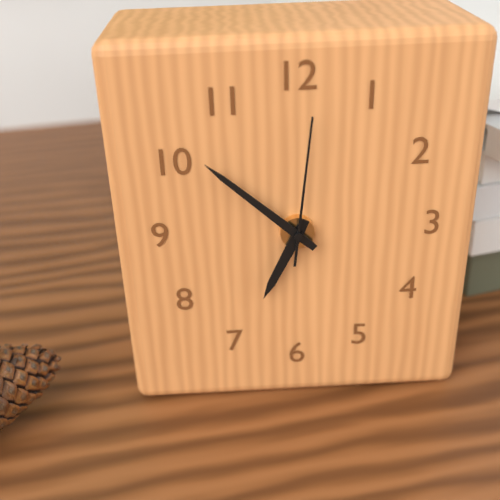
6:52:01
